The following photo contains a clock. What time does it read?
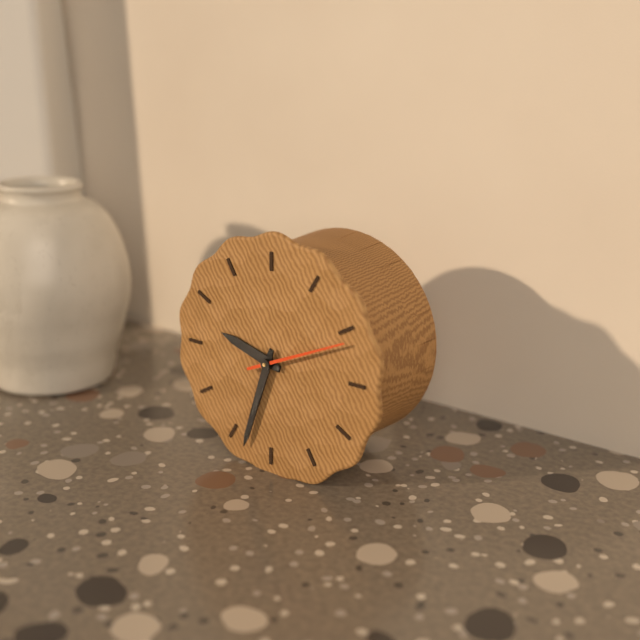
9:33:11
